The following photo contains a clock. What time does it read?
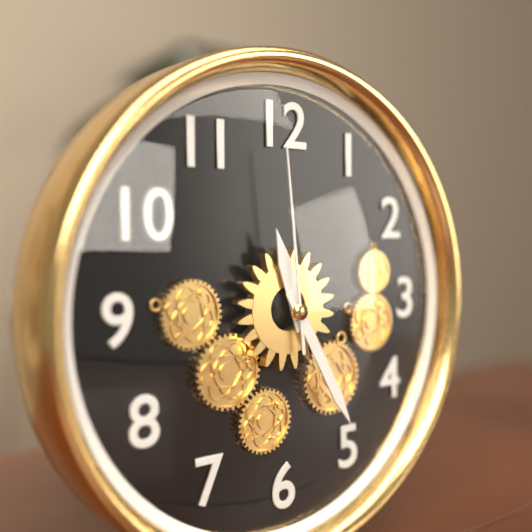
11:25:59
